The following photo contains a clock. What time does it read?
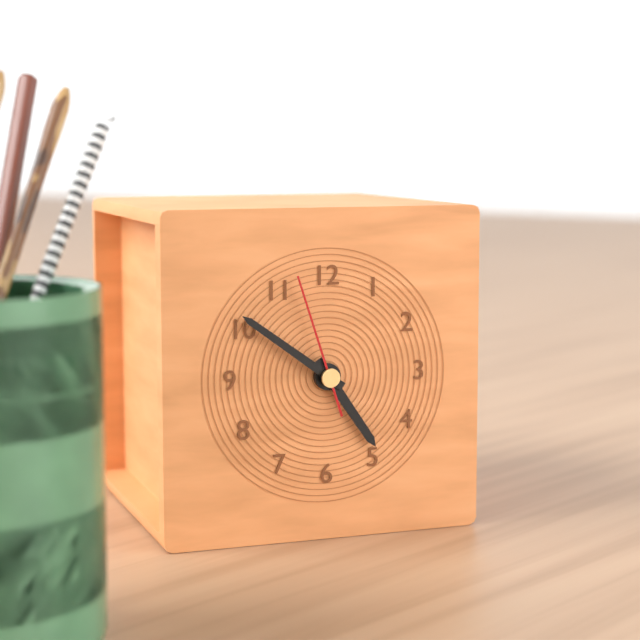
4:51:57
